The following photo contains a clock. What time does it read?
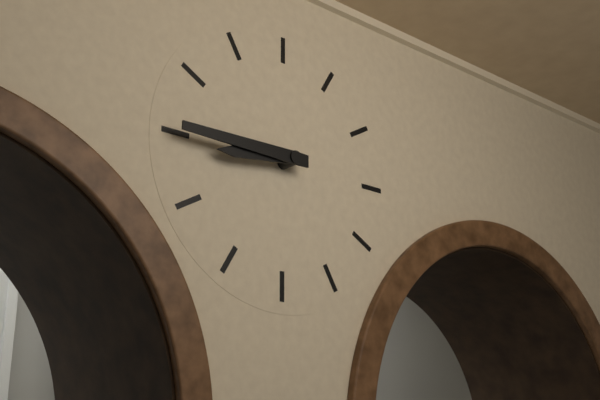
8:45
